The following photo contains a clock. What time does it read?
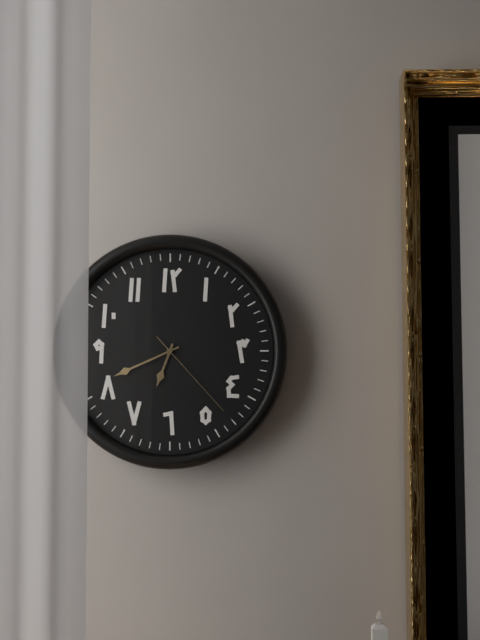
6:41:23
